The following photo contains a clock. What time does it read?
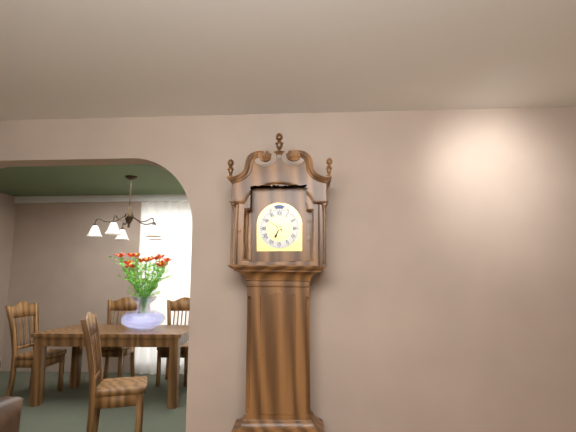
6:51
